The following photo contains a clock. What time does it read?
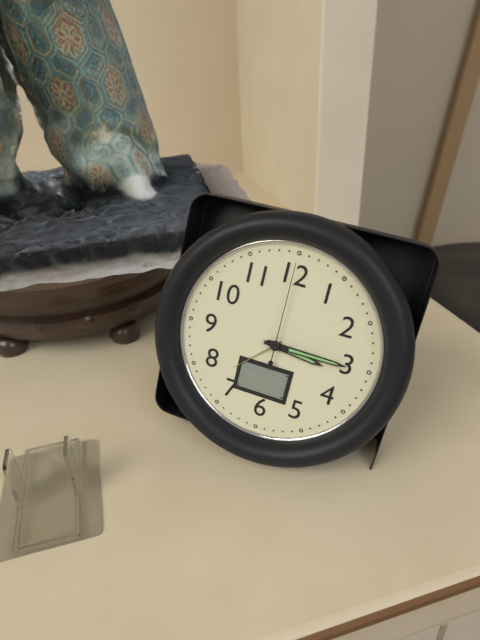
3:15:00
